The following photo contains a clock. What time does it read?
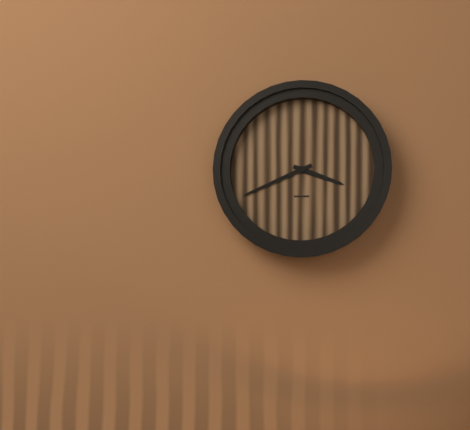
3:41
